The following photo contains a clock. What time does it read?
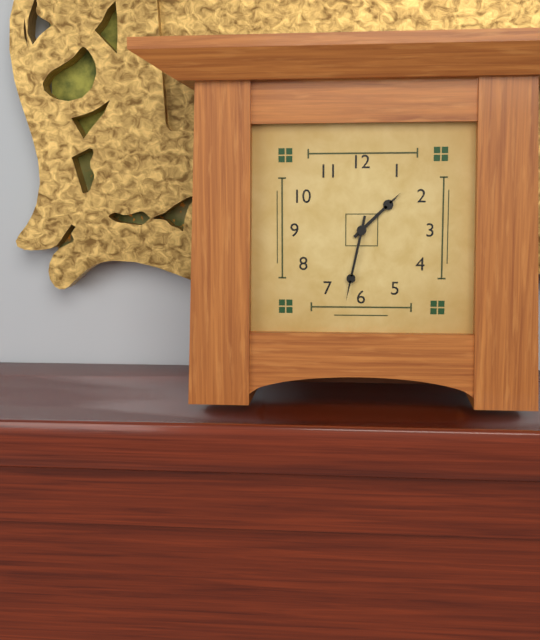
1:32
